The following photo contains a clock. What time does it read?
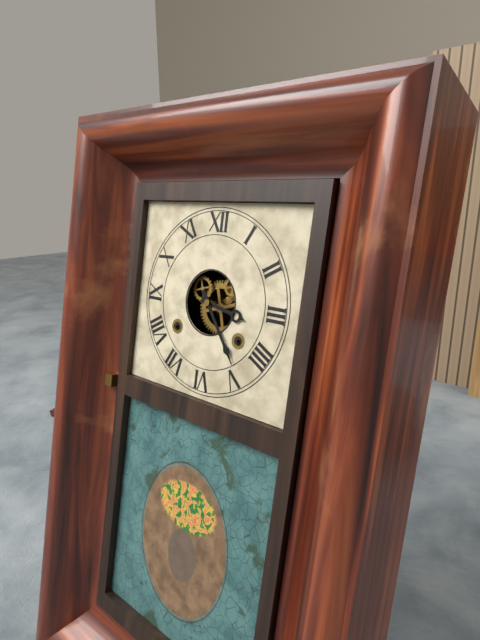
3:24
